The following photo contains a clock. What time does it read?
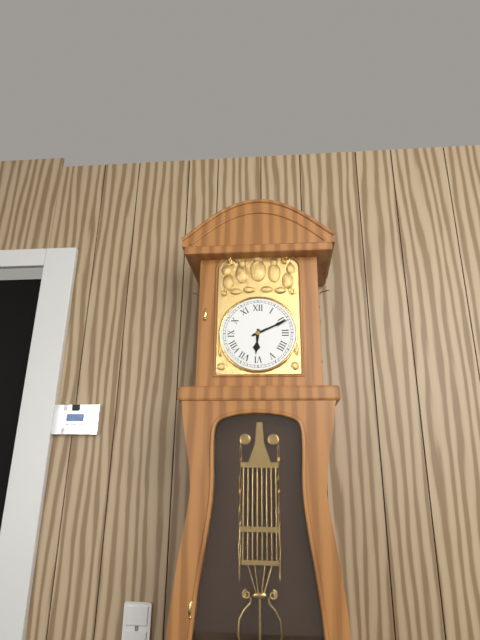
6:11
